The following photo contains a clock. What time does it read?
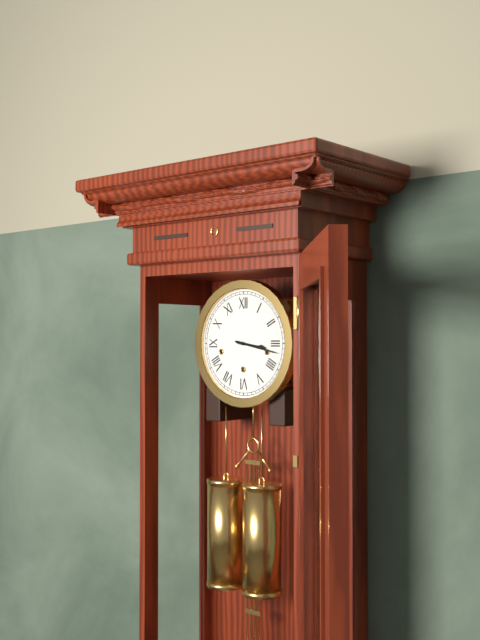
3:17
